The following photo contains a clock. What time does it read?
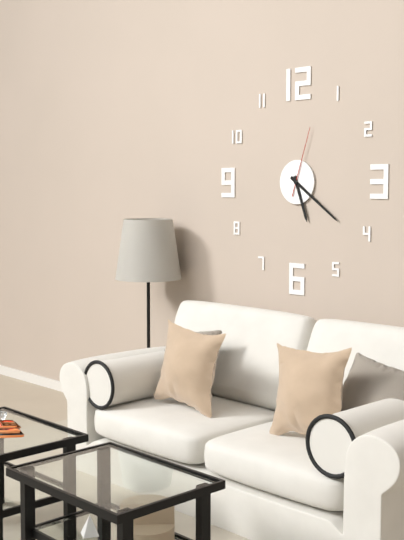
5:21:03
